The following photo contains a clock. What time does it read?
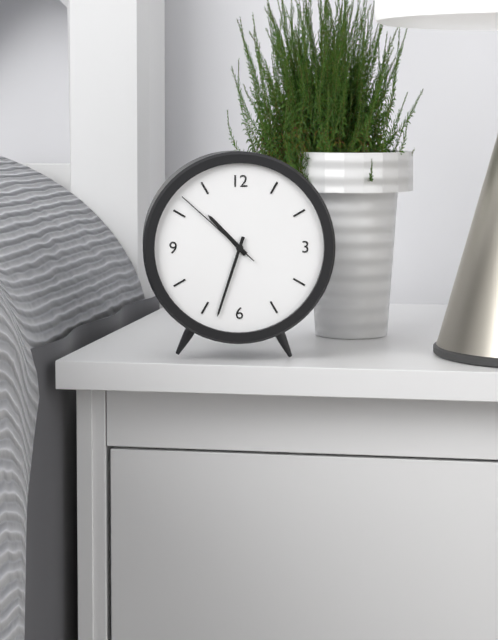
10:33:52
